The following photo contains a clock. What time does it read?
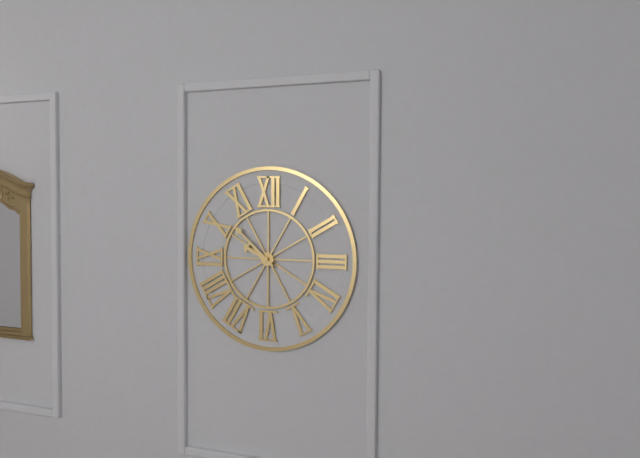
9:52
